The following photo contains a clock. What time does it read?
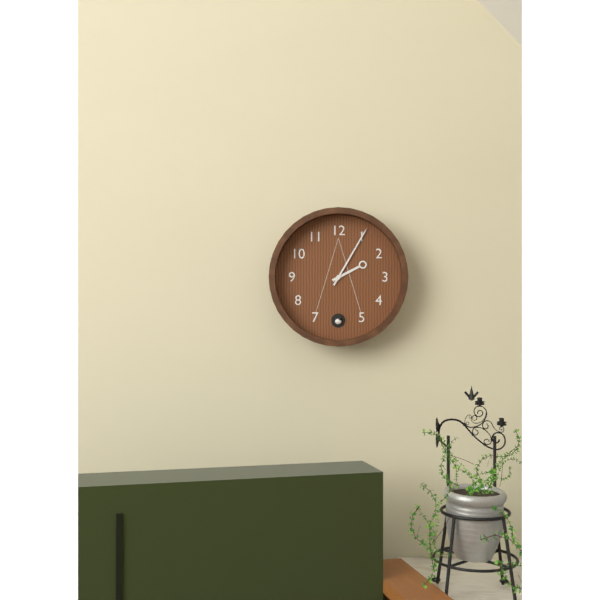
2:05
